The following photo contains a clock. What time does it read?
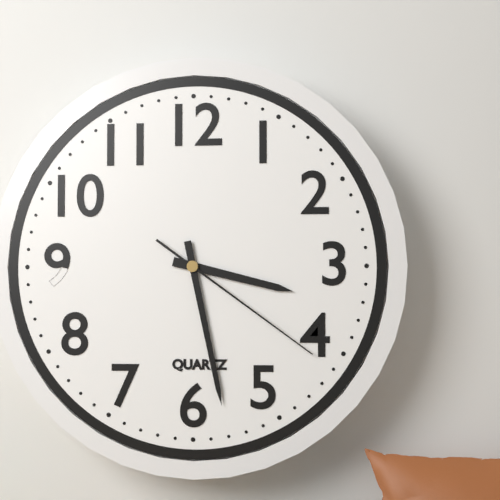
3:28:21
